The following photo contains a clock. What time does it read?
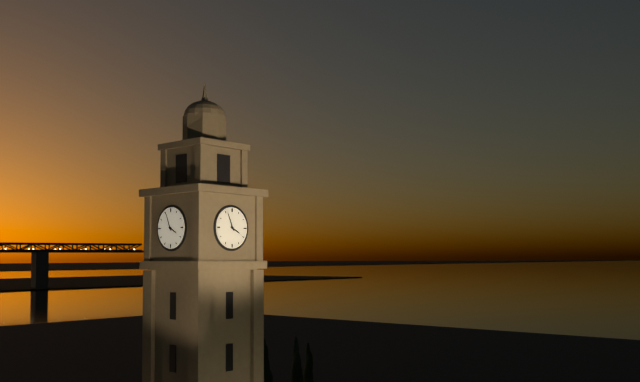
3:56
